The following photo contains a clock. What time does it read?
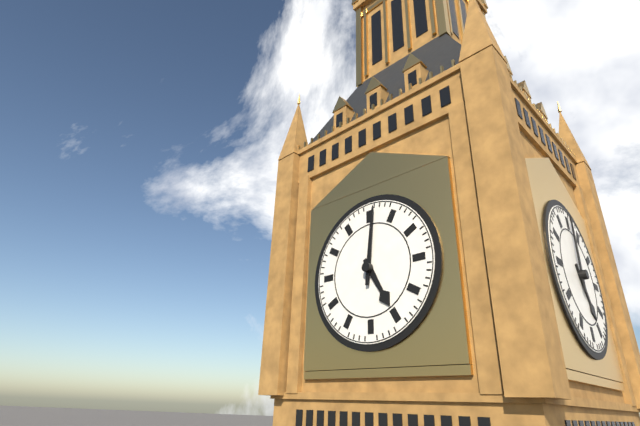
5:01
